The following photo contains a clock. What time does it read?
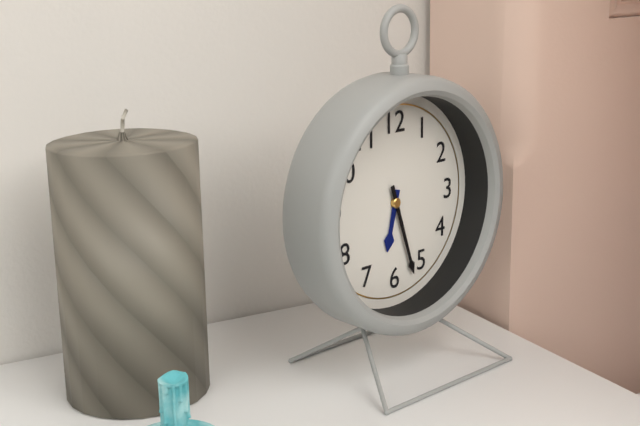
6:27
